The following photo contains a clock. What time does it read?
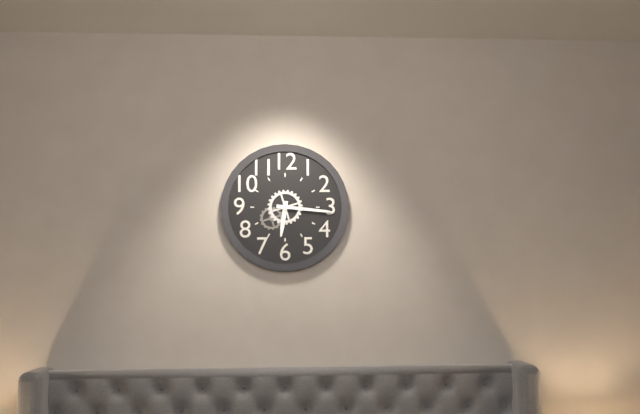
6:16
